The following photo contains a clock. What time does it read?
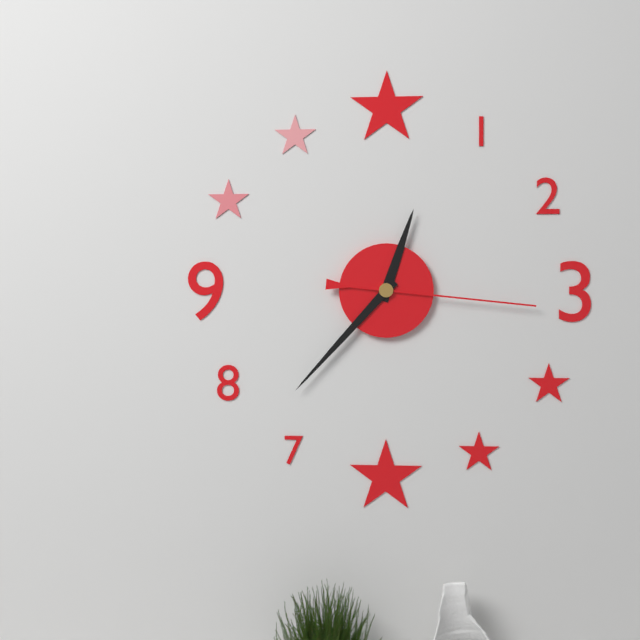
12:37:16
